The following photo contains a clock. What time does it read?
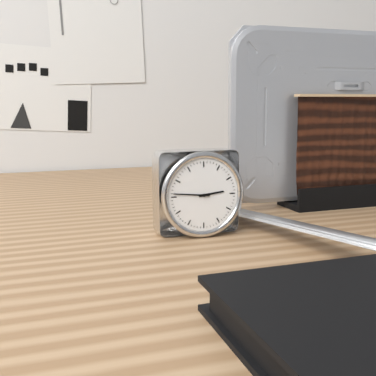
2:46
